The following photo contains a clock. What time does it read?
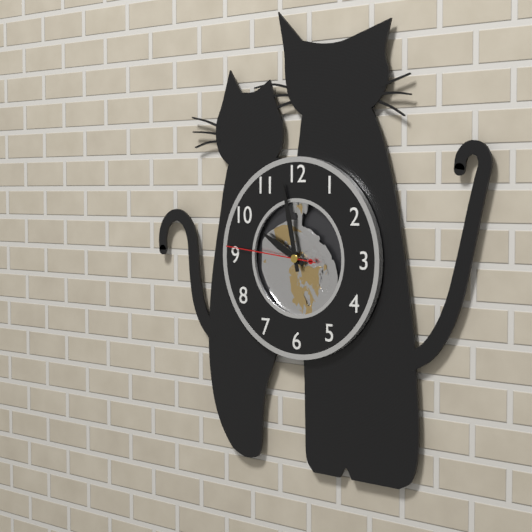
9:58:46
